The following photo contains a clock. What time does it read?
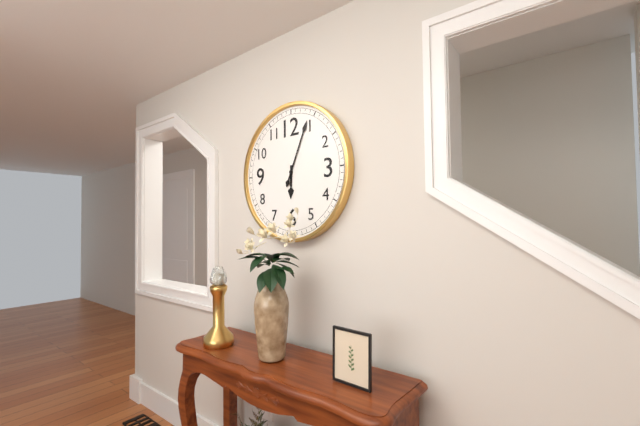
6:04
